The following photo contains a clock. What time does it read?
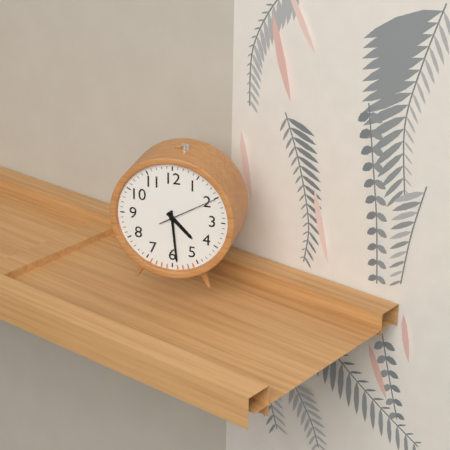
4:29:10
